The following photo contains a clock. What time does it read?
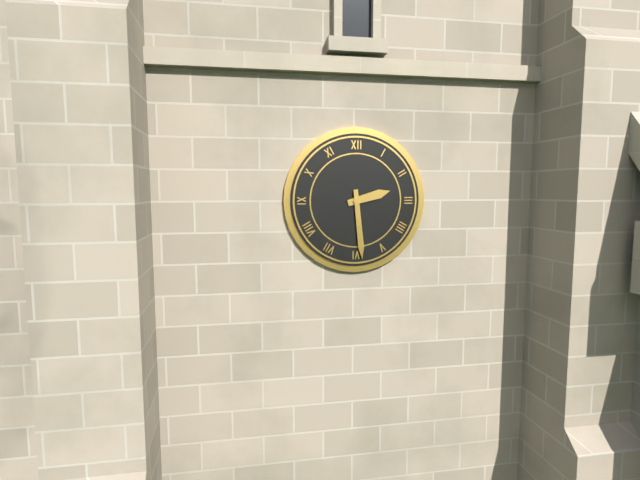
2:29
